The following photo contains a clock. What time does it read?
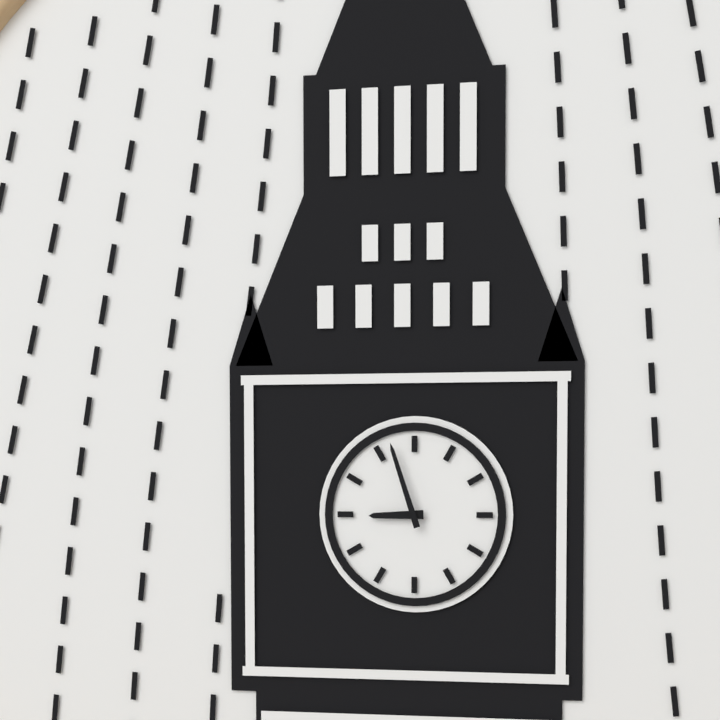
8:57
